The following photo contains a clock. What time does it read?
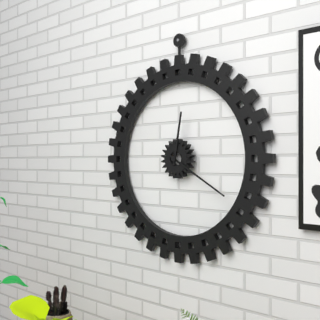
12:20
